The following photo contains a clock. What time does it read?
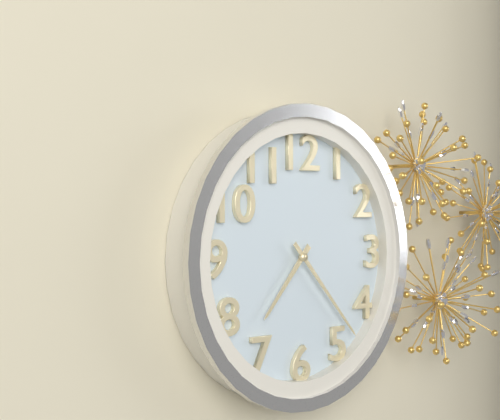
7:23
